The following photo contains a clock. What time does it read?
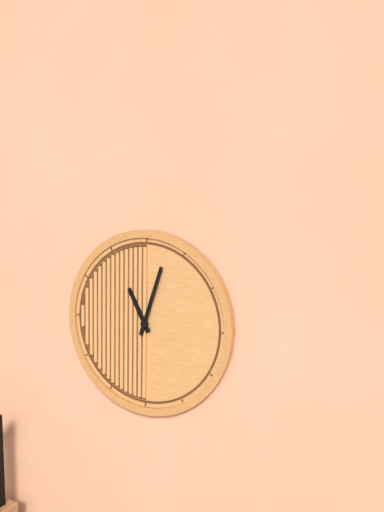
11:03
